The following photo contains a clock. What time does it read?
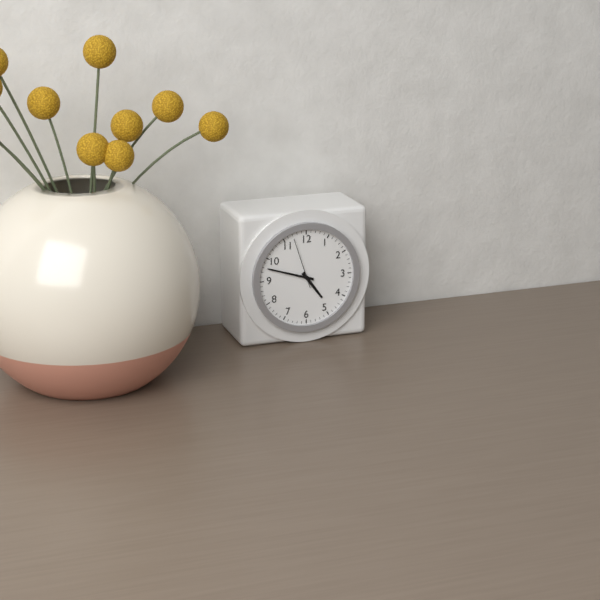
4:48:57
